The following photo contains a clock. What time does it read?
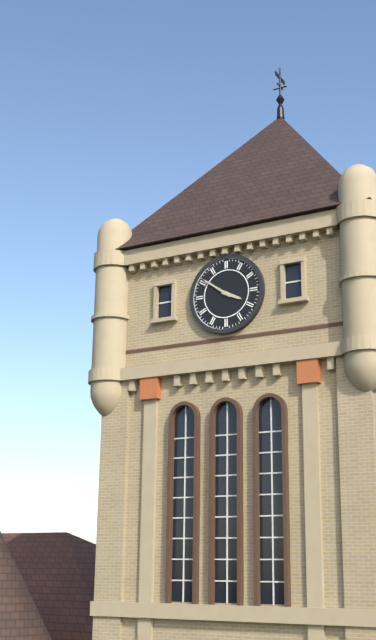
3:51
